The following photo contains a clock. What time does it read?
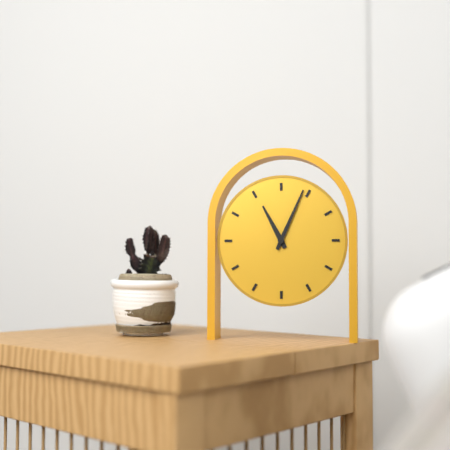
11:04
